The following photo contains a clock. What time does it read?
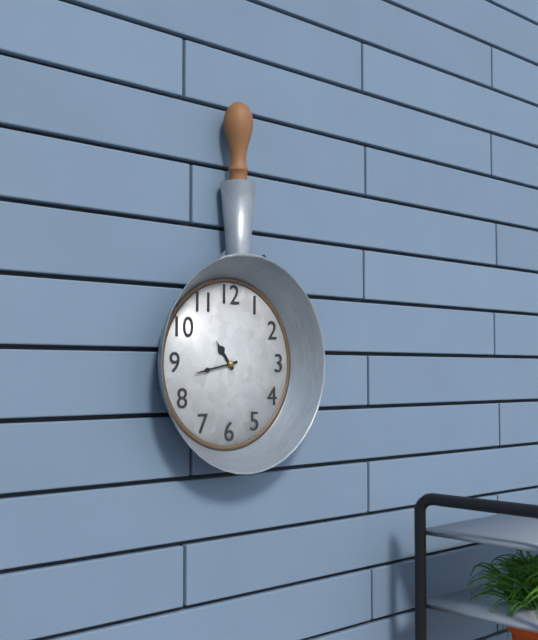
10:43
